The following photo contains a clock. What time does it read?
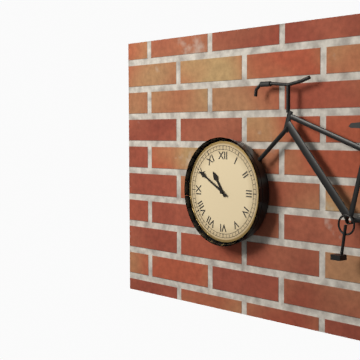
10:50
